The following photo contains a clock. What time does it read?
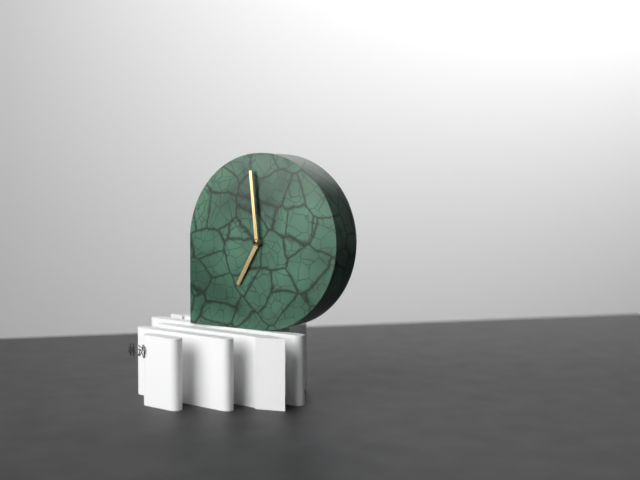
6:59
